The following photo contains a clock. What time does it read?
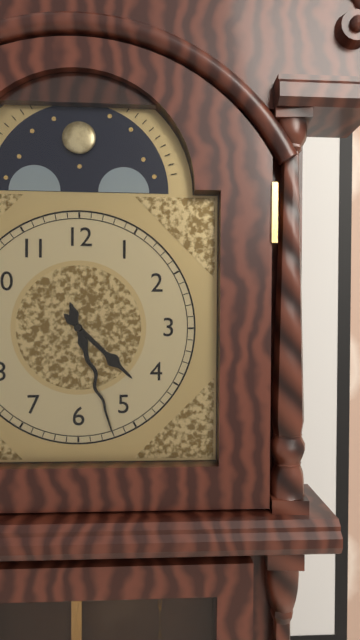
4:27
